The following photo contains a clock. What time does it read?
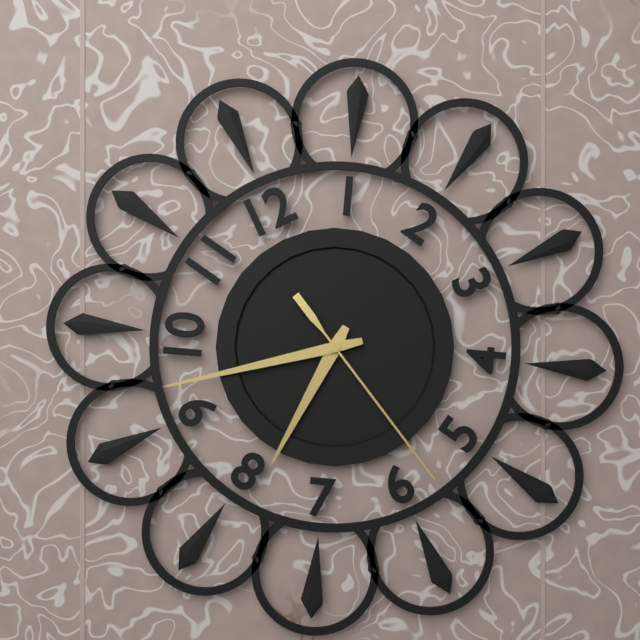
7:47:28
